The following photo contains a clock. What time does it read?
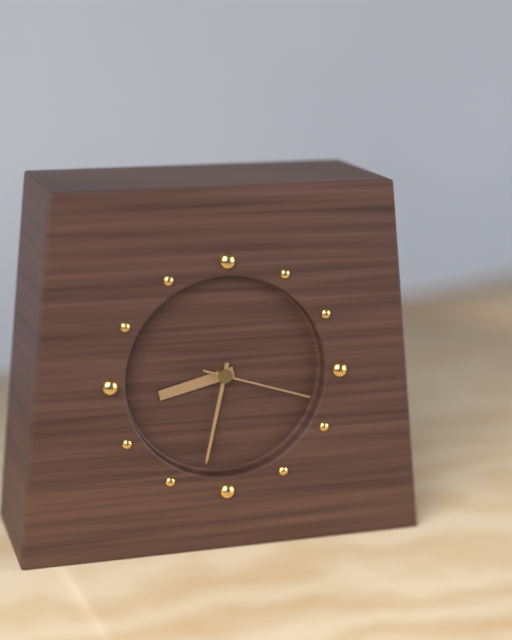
8:32:18
